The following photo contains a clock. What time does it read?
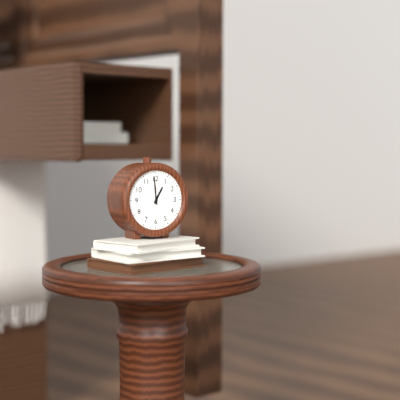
12:59
